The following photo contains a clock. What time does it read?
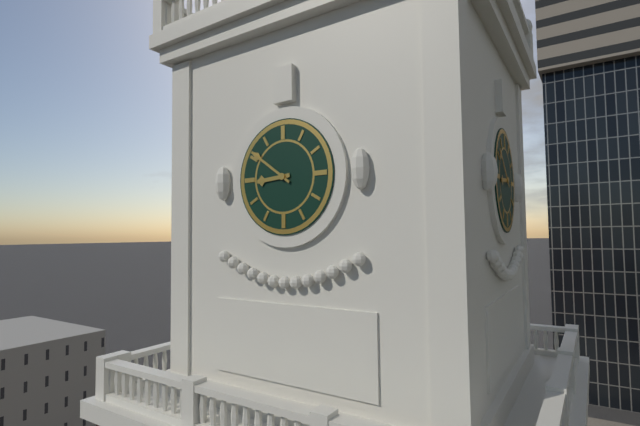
8:51
